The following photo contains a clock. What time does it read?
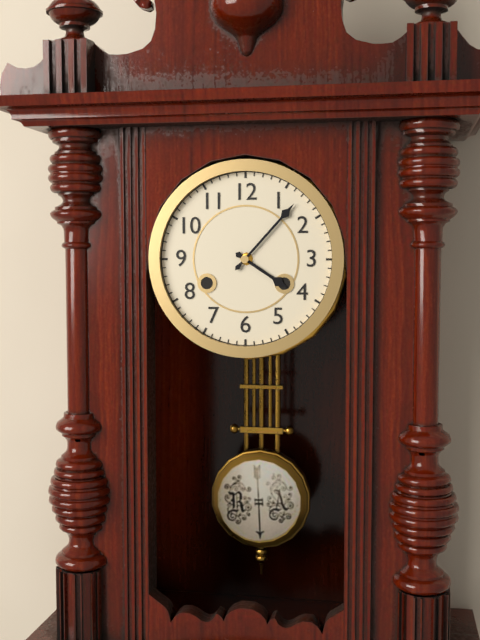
4:07
